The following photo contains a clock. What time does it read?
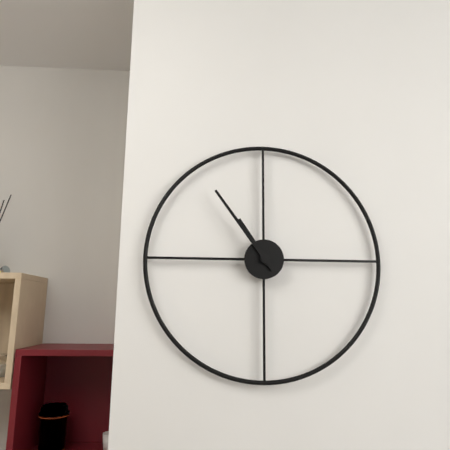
10:54
